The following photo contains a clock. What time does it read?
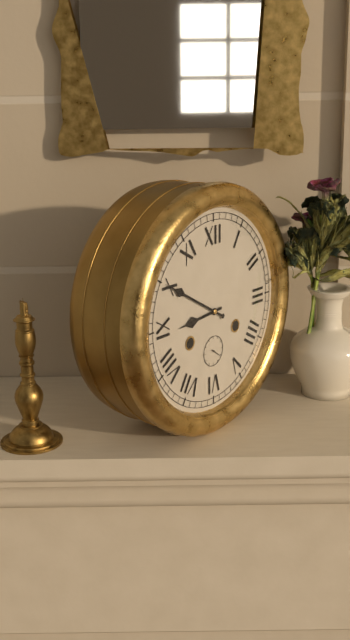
8:50
